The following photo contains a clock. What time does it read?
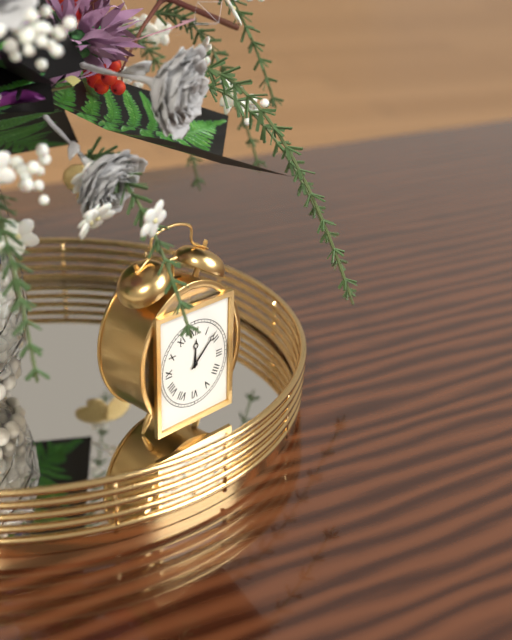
12:08
